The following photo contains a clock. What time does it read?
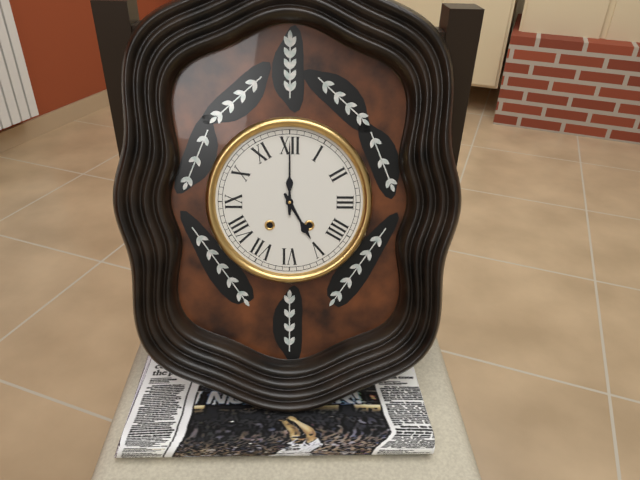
5:00
